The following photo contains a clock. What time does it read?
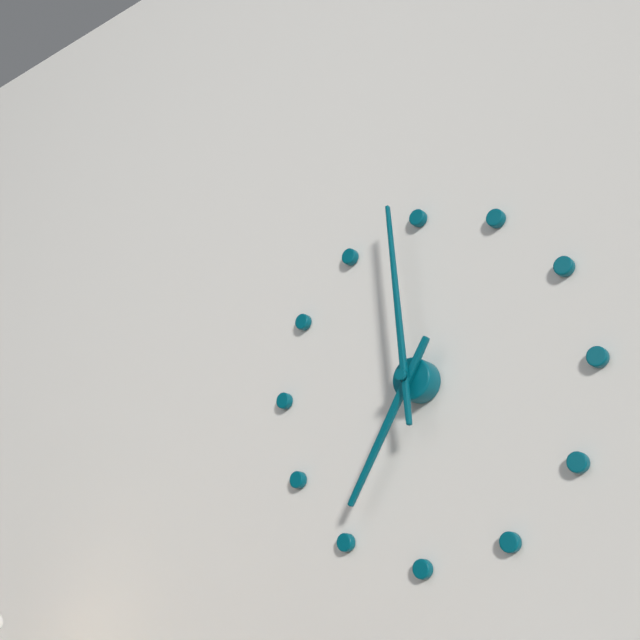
6:59
